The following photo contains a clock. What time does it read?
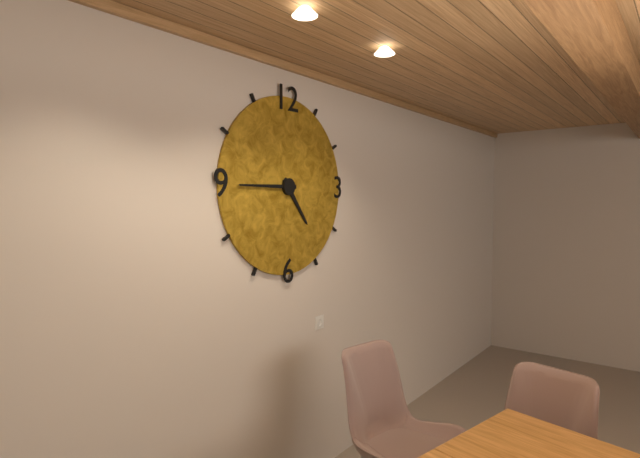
4:45
